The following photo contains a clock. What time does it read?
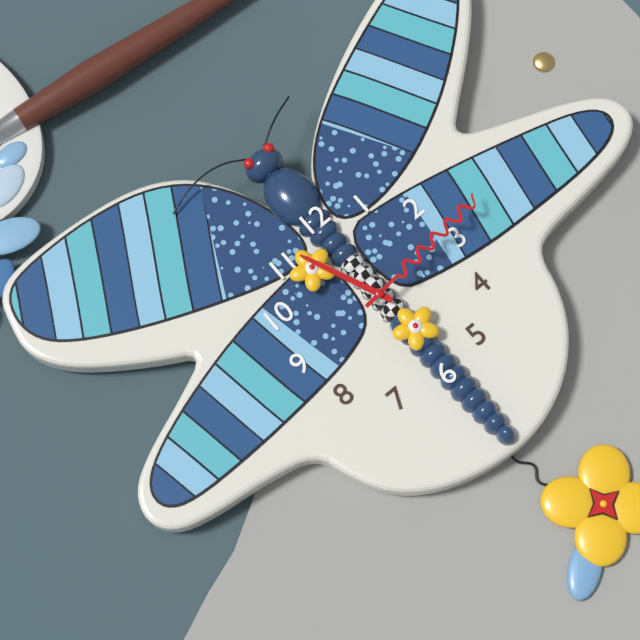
11:14
